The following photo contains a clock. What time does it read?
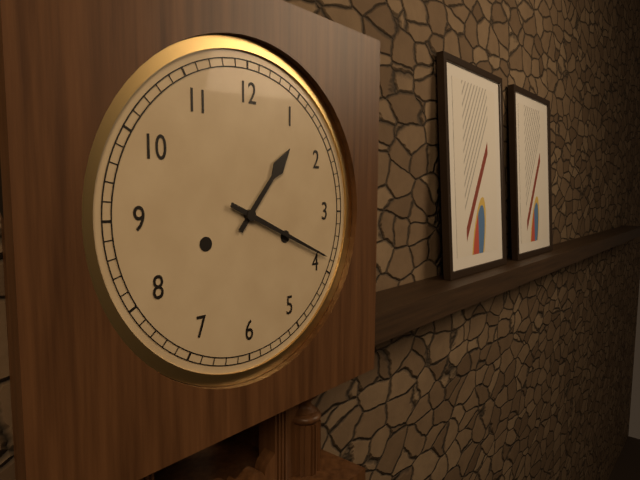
1:19
